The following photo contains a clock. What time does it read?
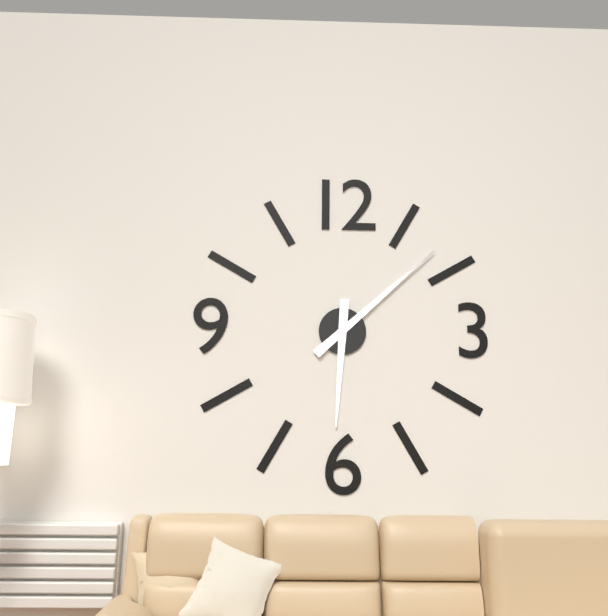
6:08
